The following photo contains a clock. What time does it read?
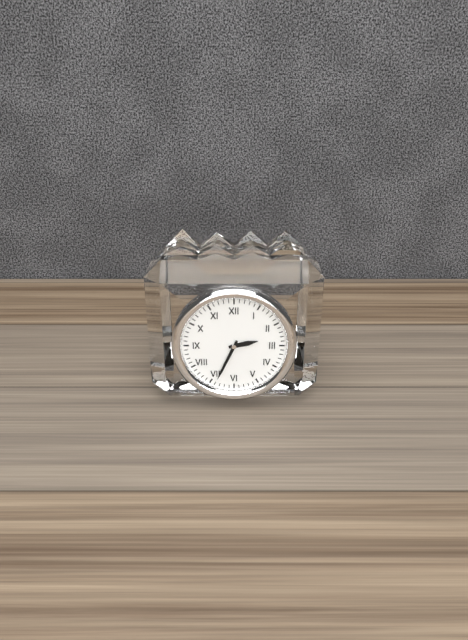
2:34
